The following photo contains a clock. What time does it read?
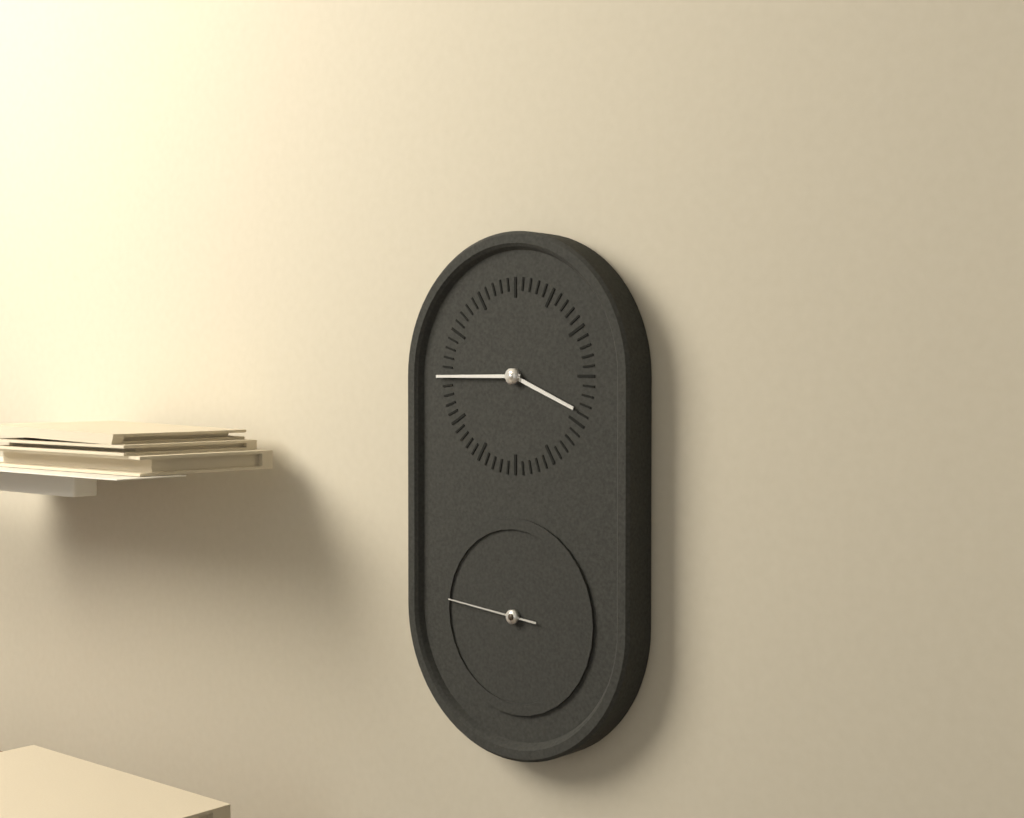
3:45:46
